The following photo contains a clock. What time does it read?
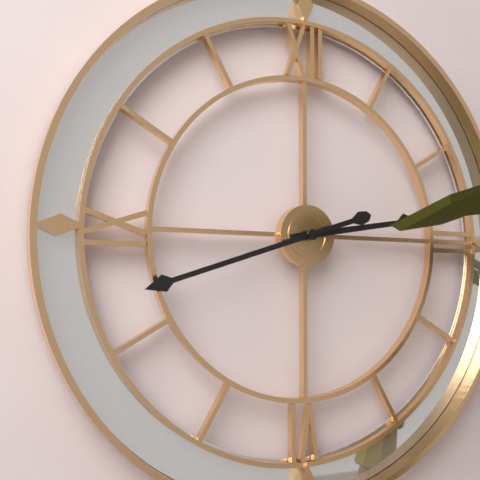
2:42
